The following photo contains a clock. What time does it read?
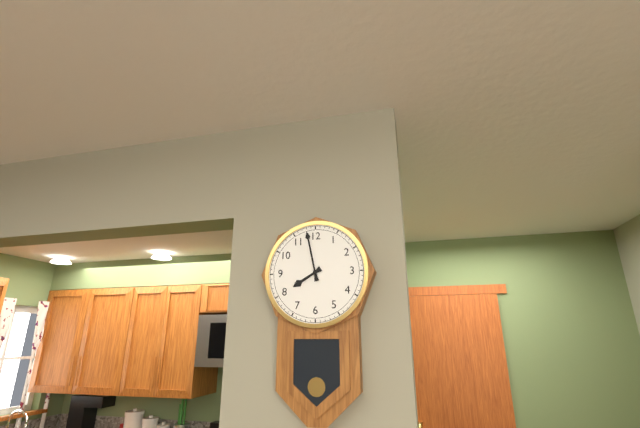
7:58
